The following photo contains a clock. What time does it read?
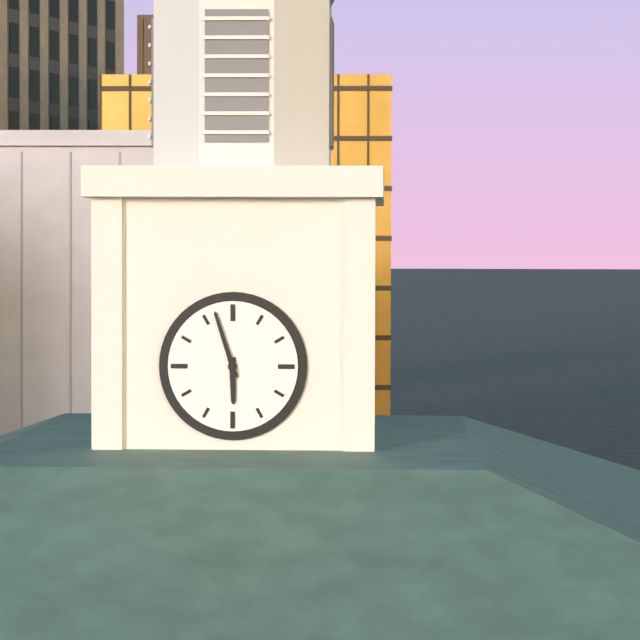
5:57
